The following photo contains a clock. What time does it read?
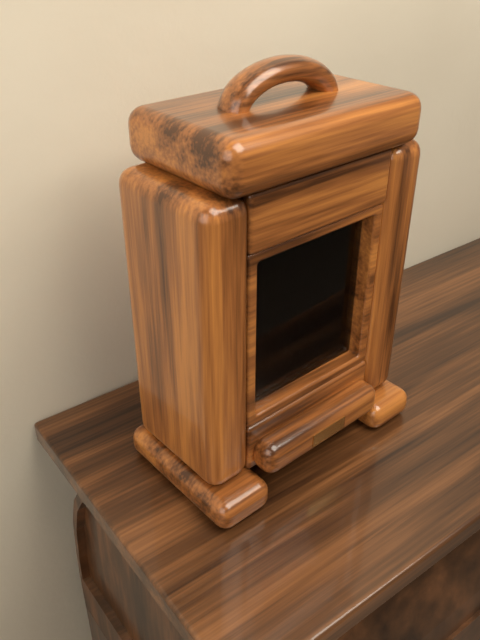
10:57:02
